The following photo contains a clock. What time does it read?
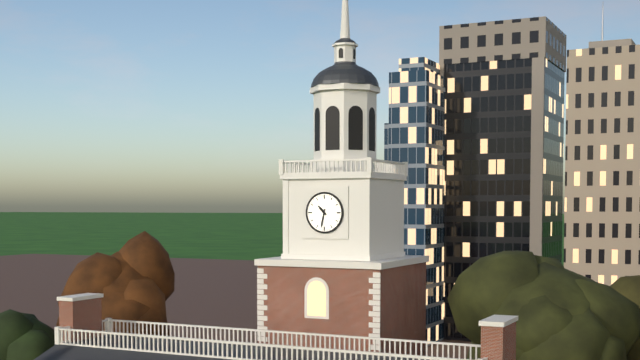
10:32
